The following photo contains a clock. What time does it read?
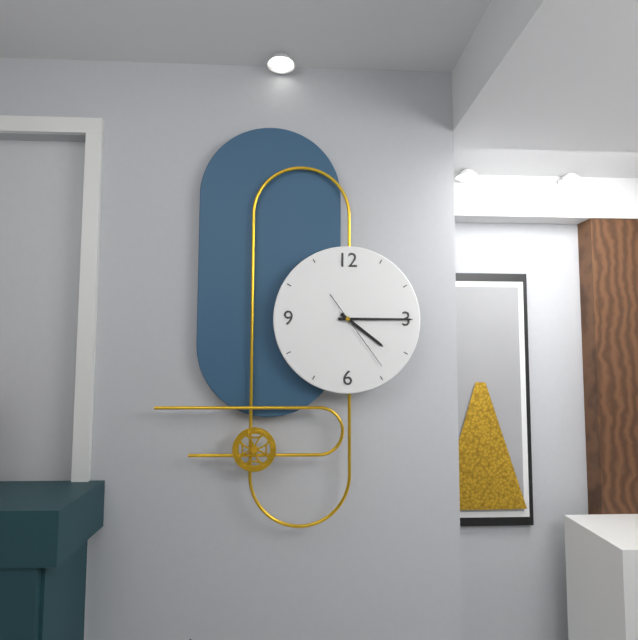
4:15:24
